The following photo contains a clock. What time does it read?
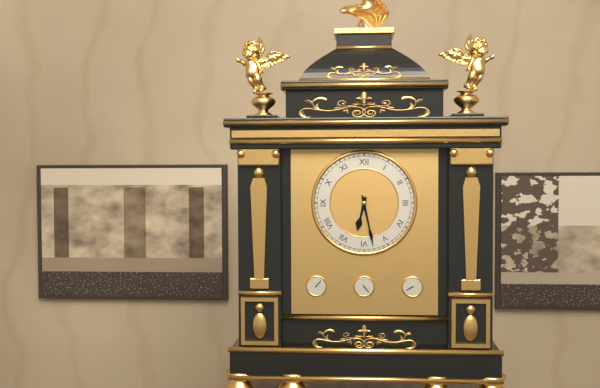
6:28
